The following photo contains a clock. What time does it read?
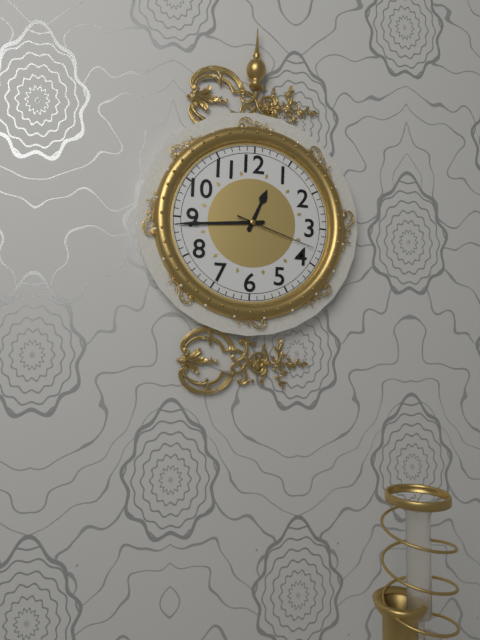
12:44:18
